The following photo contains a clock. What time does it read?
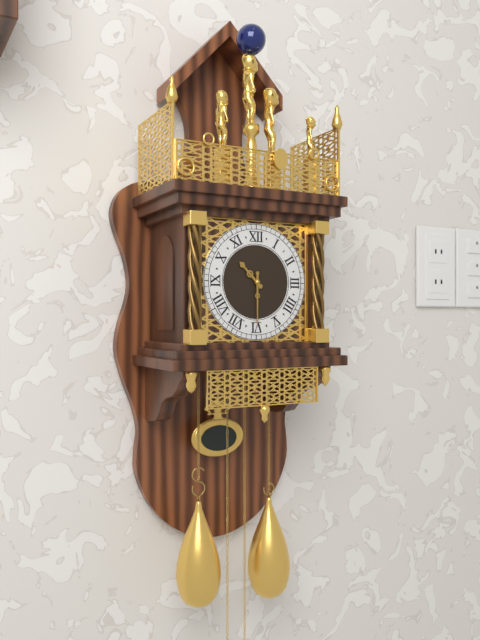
10:30
